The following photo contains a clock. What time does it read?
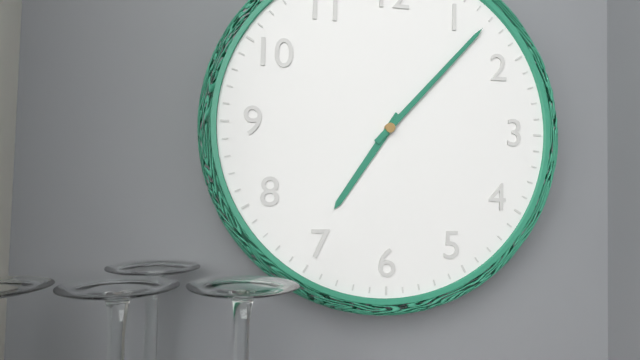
7:07
